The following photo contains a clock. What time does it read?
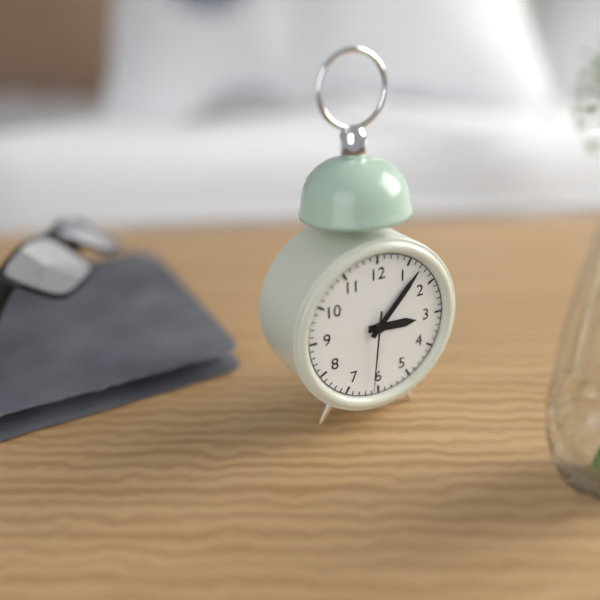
3:07:31
